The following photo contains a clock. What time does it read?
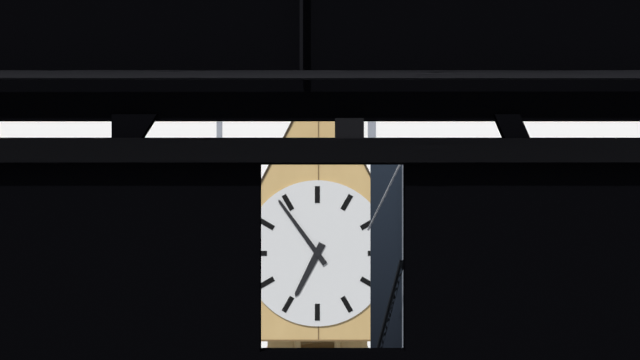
6:54
